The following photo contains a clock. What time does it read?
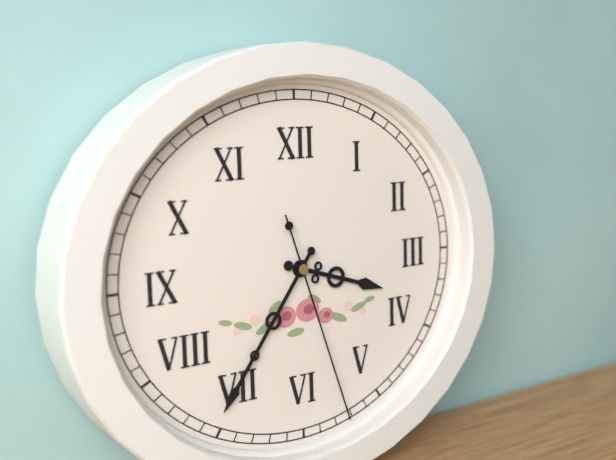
3:36:27
